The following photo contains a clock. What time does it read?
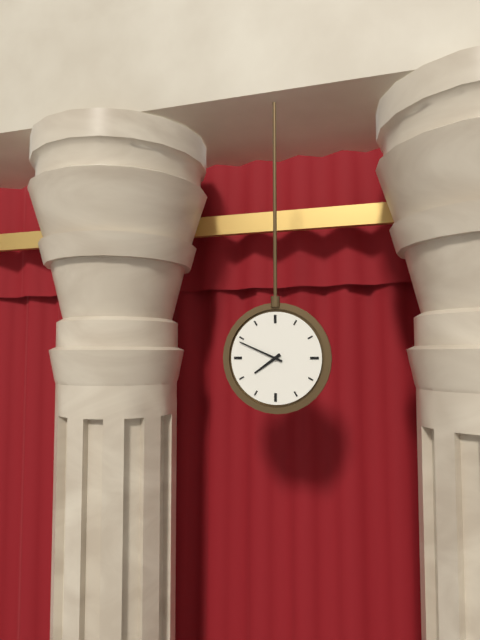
7:49
